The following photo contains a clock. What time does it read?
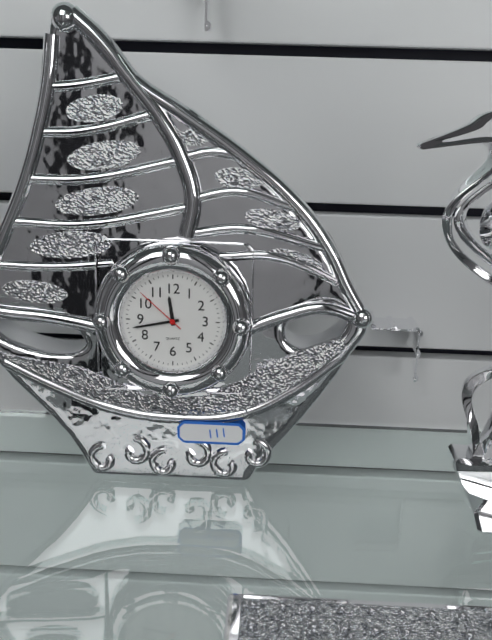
11:43:52
